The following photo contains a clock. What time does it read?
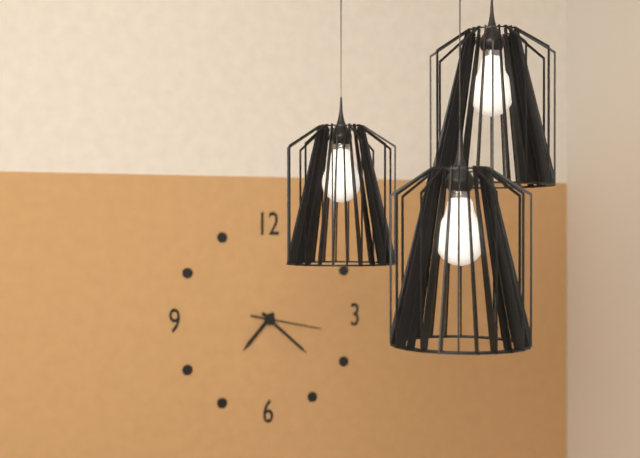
7:22:17
